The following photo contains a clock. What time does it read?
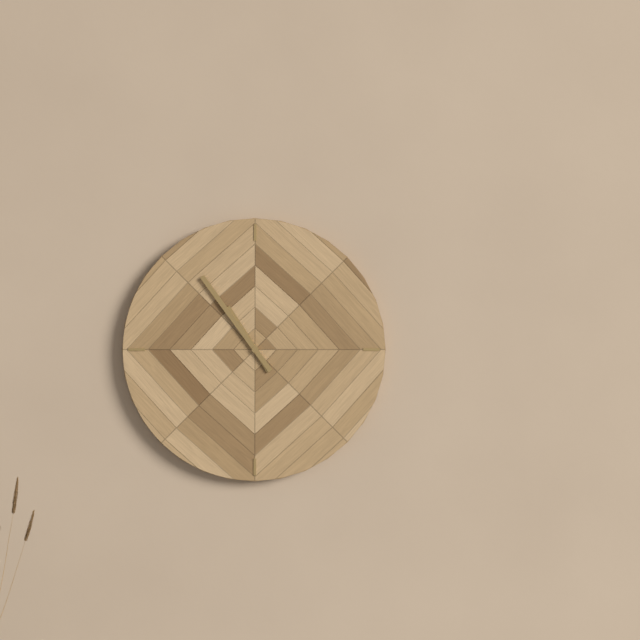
10:54
